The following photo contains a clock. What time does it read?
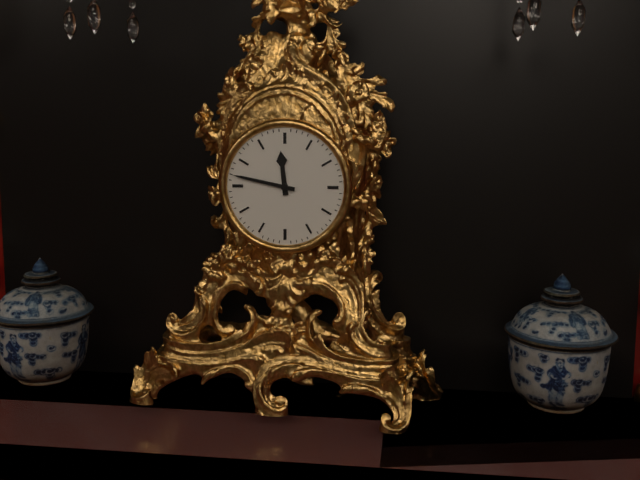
11:47
